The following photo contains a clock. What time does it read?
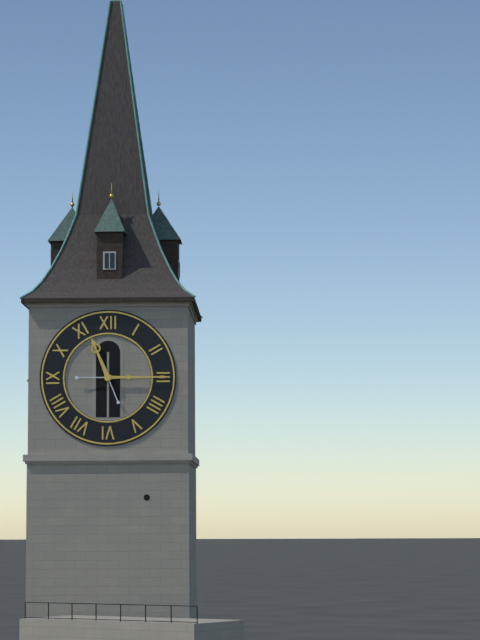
11:15
